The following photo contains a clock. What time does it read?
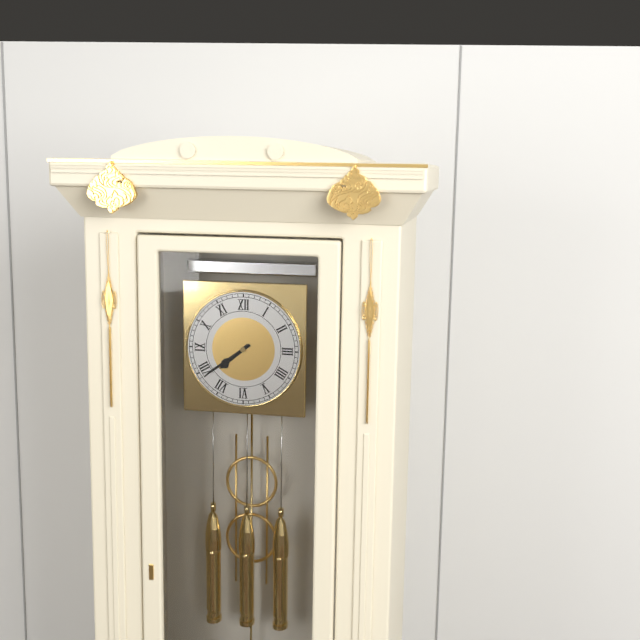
7:39
